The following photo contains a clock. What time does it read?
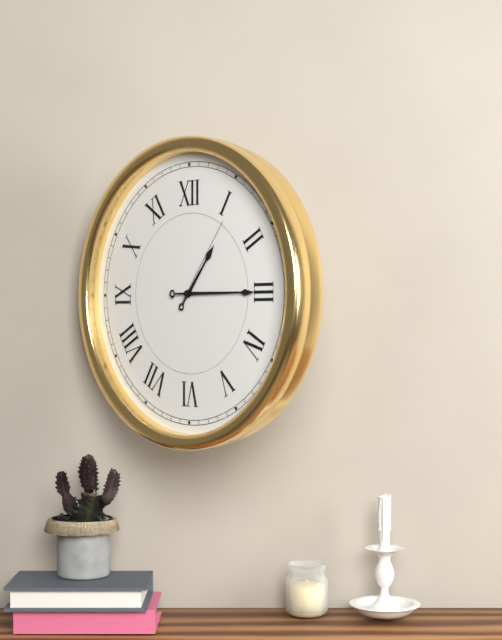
1:15:06
